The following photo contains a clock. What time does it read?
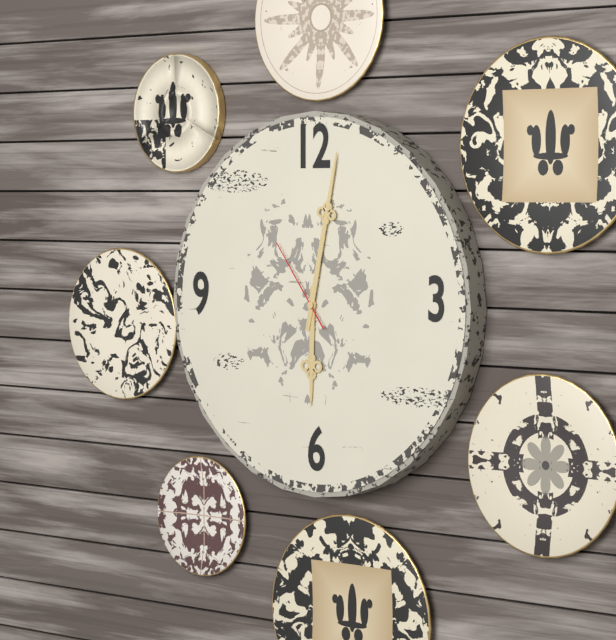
6:02:54
